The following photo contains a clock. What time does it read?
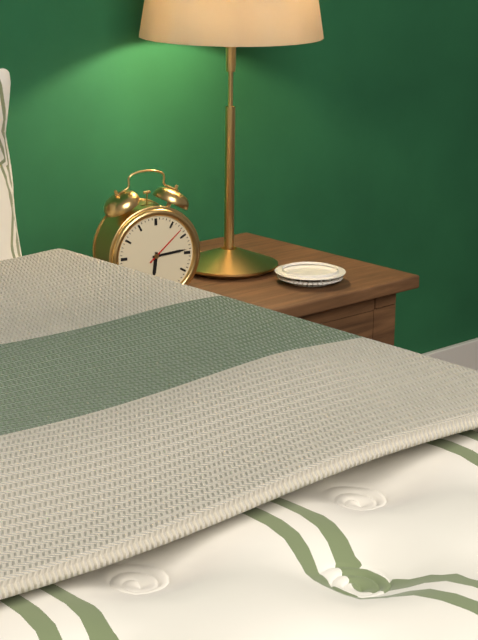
6:14
